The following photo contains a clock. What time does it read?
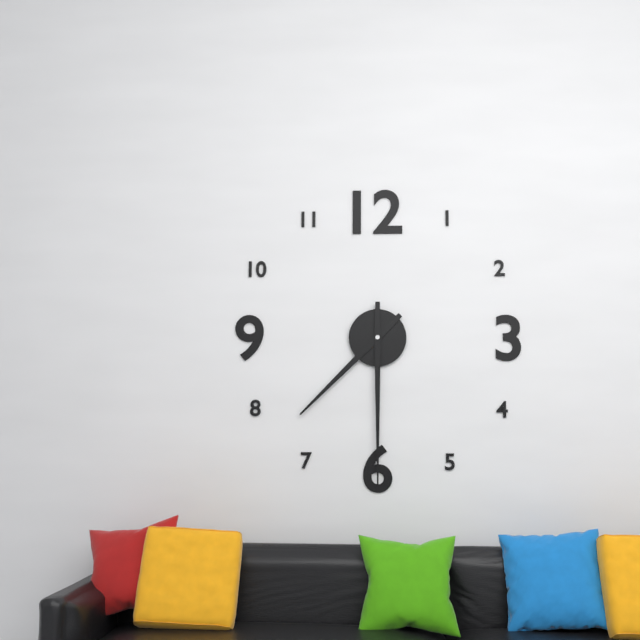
7:30
